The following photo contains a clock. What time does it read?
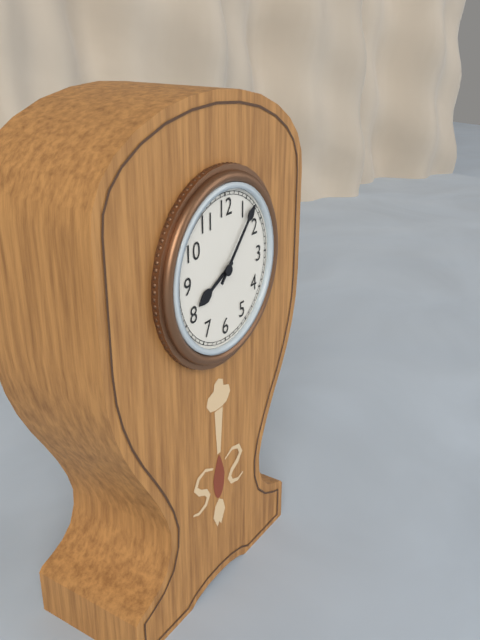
8:07
